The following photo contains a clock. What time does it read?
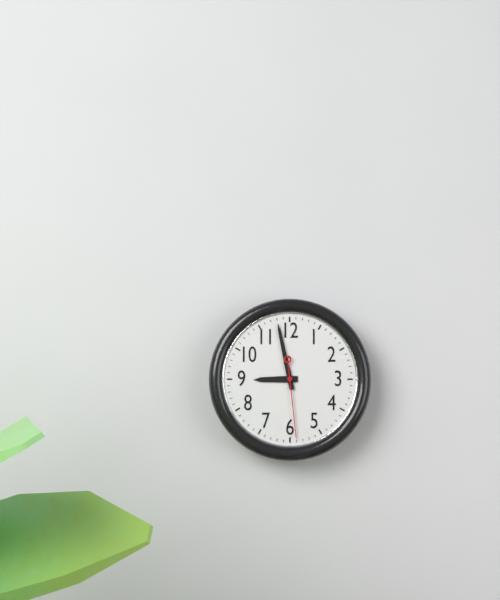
8:58:29
